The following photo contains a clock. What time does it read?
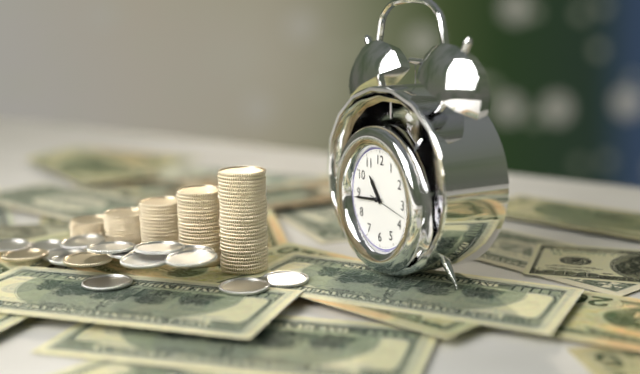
10:44
